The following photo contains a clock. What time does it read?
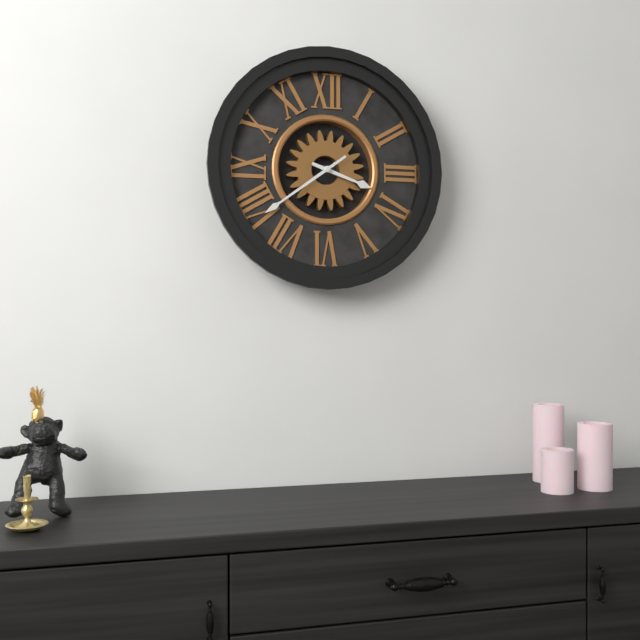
3:39
